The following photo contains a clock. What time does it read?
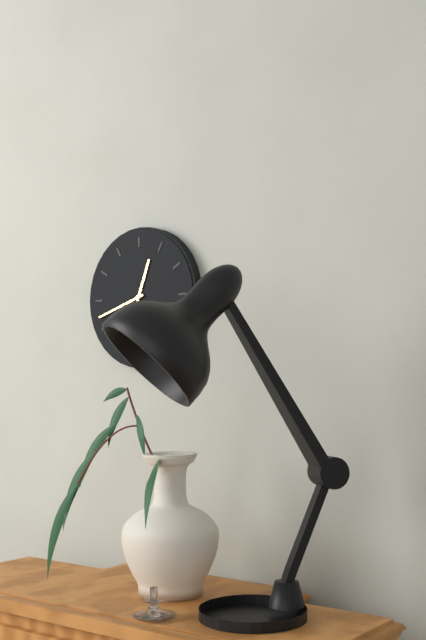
12:42
